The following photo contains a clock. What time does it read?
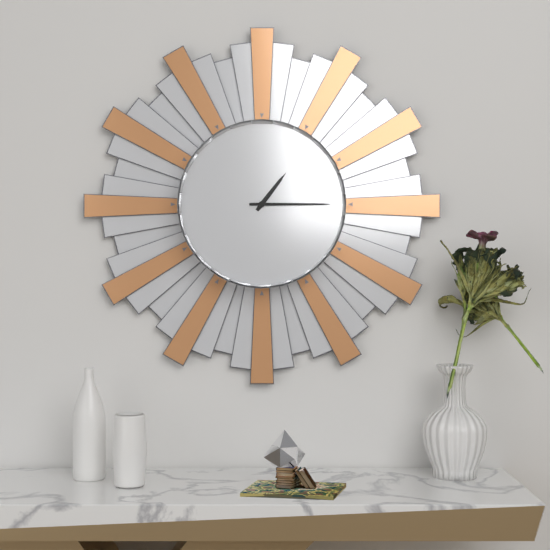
1:15
